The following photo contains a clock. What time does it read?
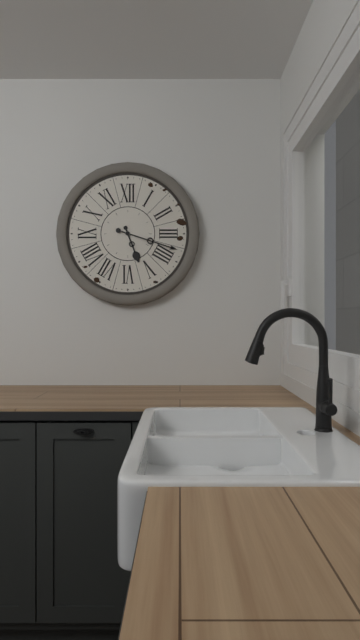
5:18
